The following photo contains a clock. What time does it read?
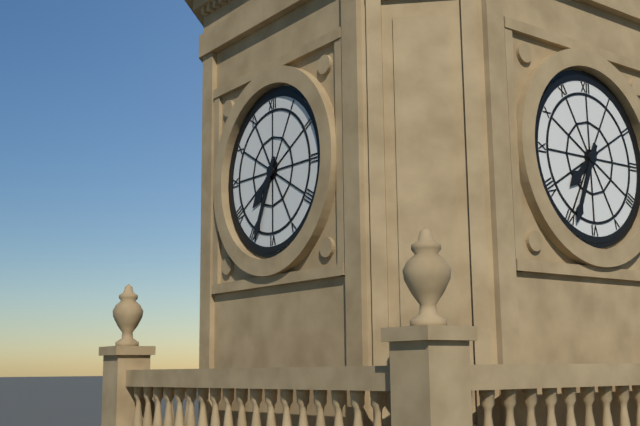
7:34
